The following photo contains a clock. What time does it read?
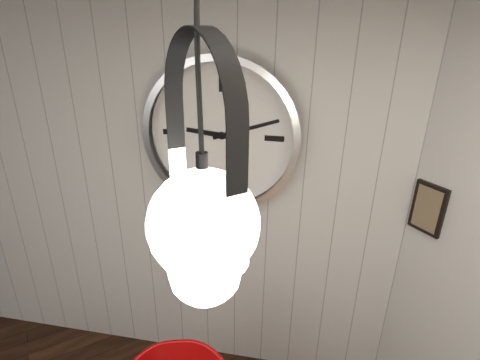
9:12
